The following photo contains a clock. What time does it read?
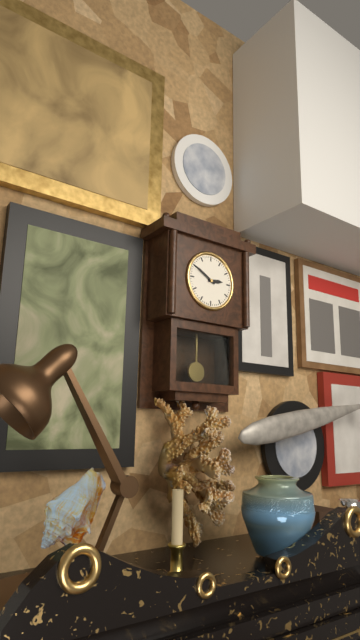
2:50
